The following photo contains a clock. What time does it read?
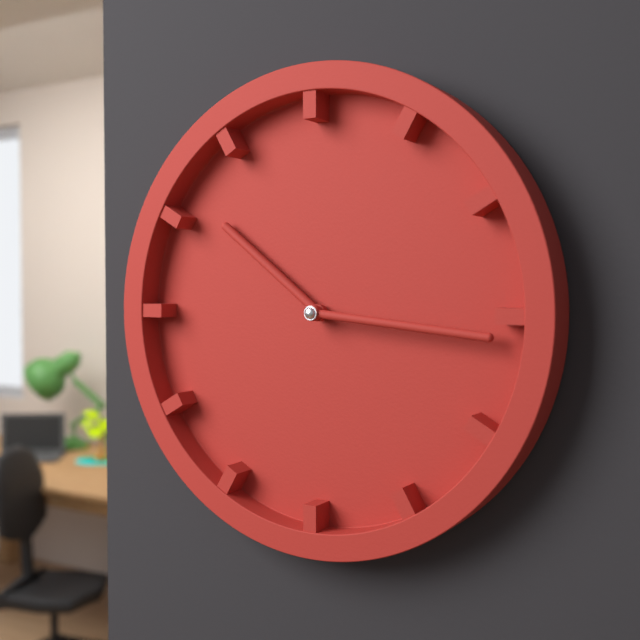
10:16
